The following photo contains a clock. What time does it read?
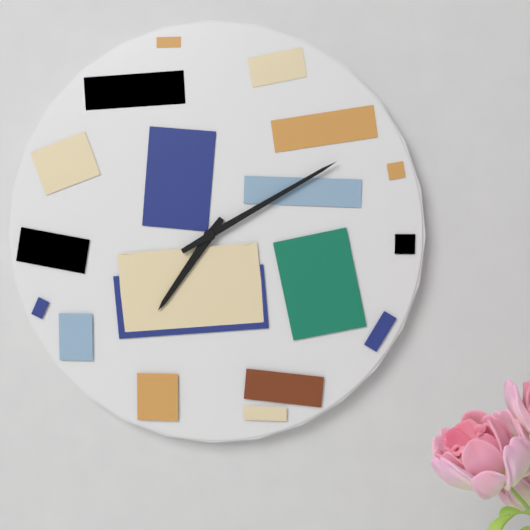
7:10
